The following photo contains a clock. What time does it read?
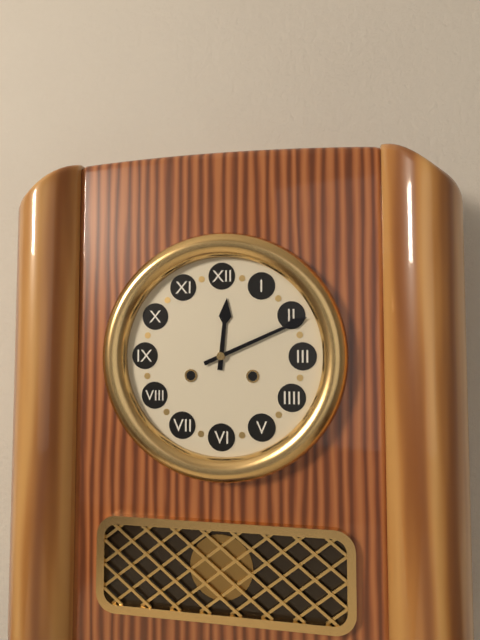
12:11
